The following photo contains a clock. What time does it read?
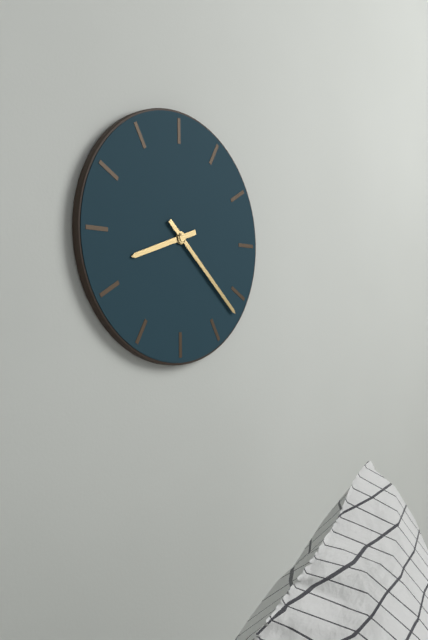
8:22
